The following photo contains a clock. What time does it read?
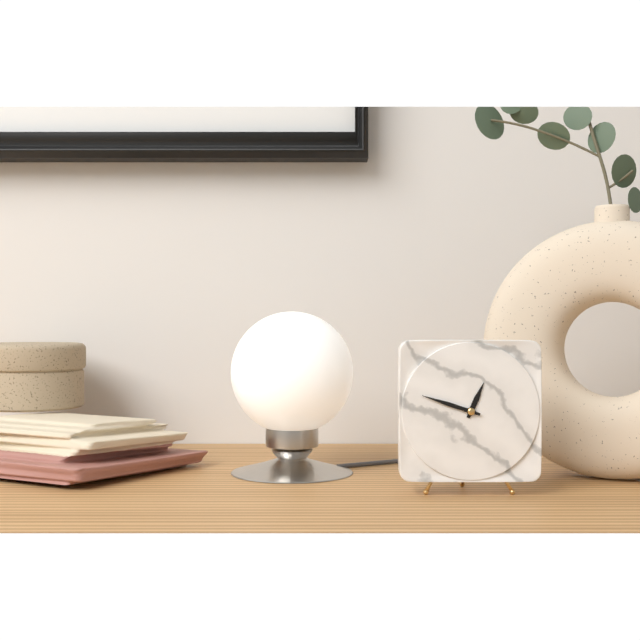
12:48
